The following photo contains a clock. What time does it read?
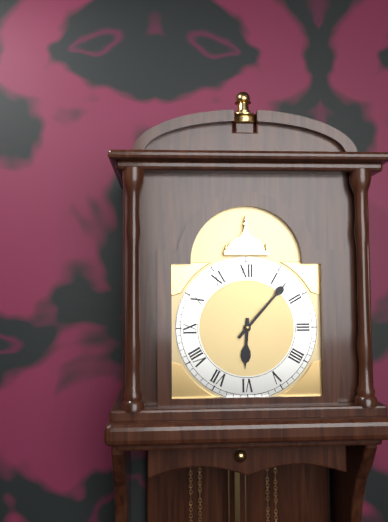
6:07
